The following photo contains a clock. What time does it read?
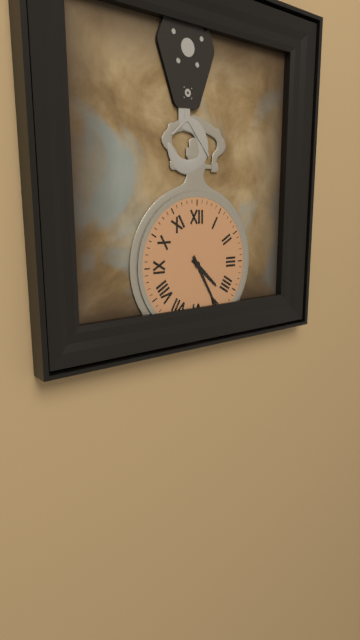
4:25
